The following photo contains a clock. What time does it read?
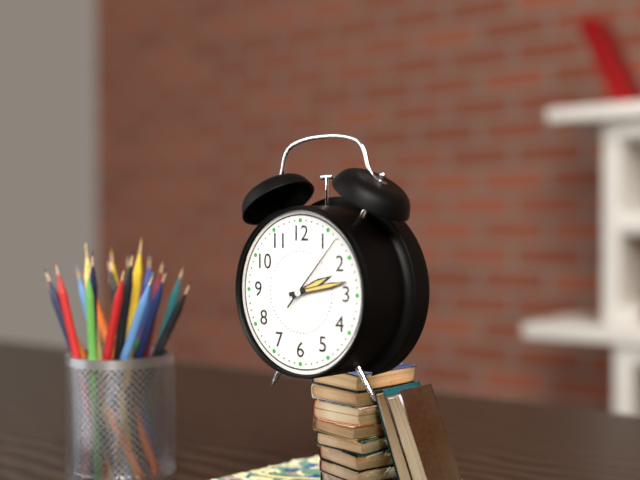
2:13:07
